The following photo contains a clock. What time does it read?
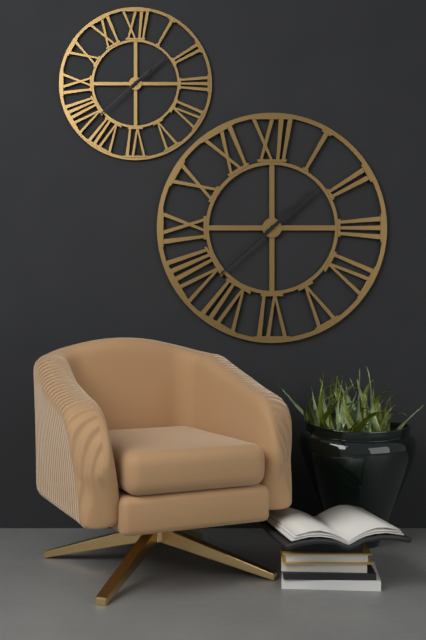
1:38
